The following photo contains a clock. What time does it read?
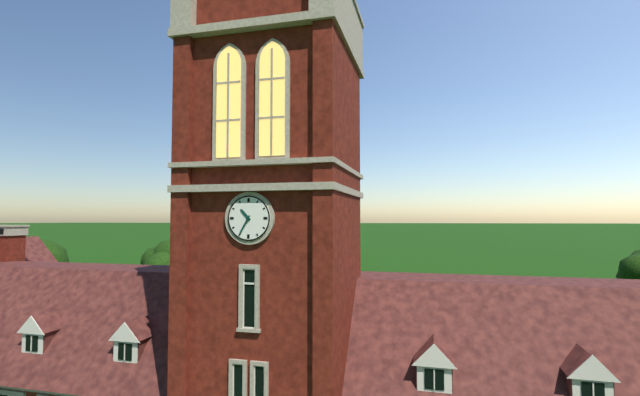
10:35
